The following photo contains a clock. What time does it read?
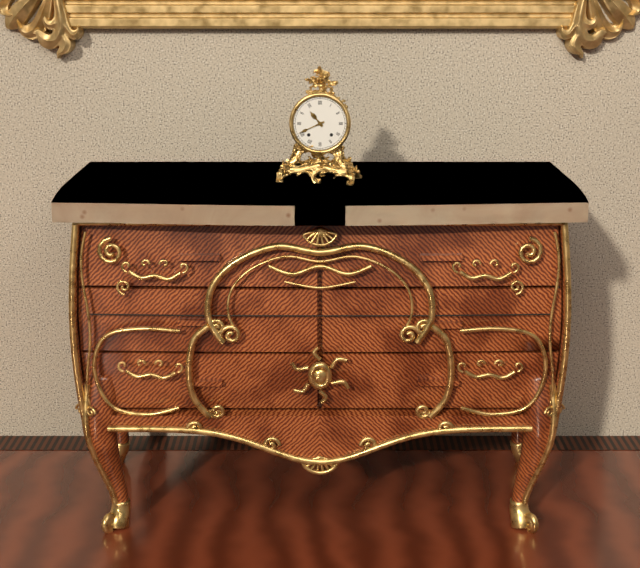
10:41
